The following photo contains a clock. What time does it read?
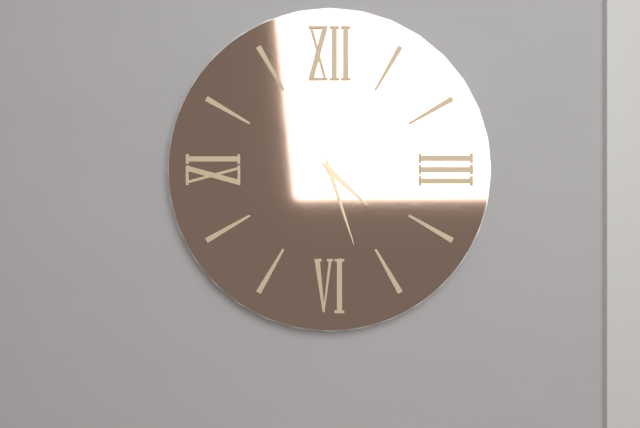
4:27
